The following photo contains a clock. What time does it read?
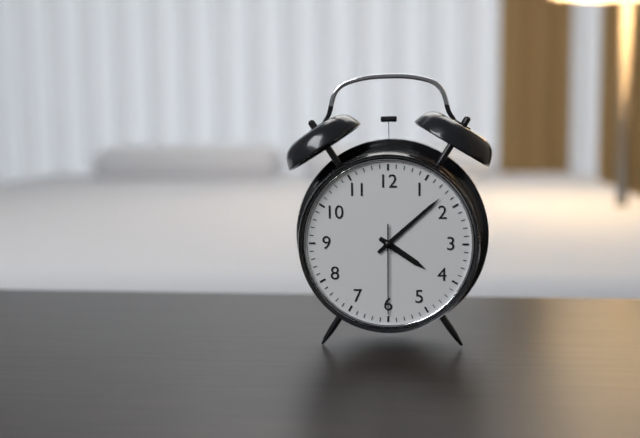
4:08:30
